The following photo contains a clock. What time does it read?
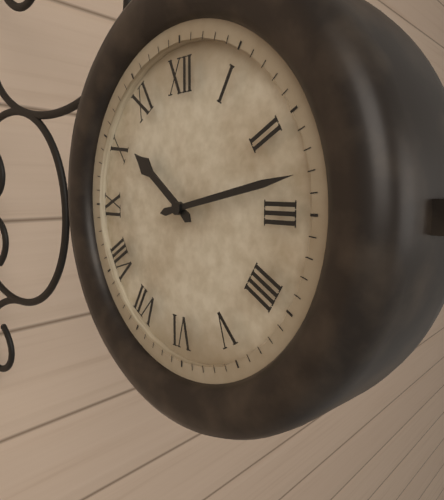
10:13
